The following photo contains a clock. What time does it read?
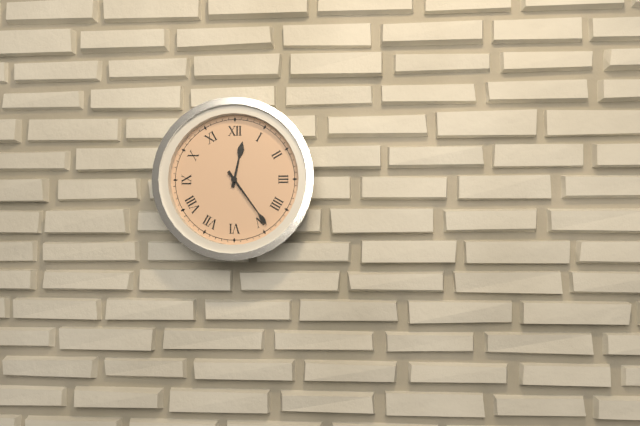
12:24
